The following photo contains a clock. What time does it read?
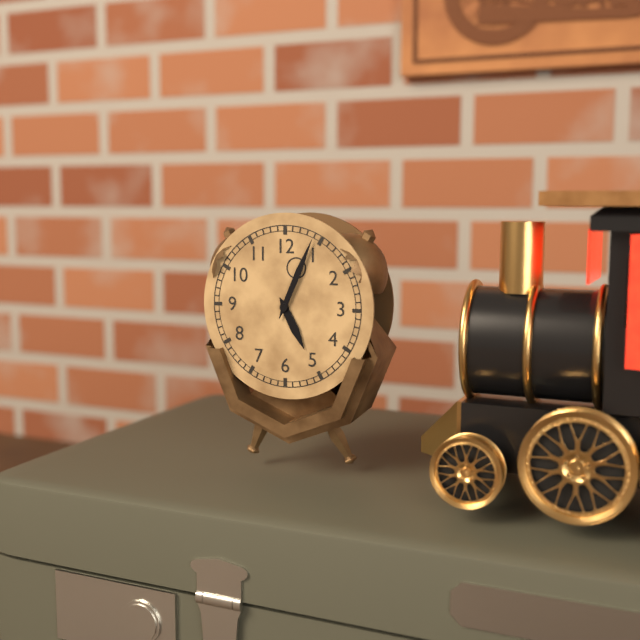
5:04
